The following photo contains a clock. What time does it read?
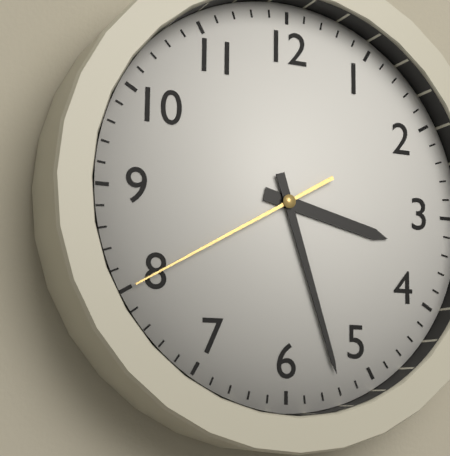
3:27:40
